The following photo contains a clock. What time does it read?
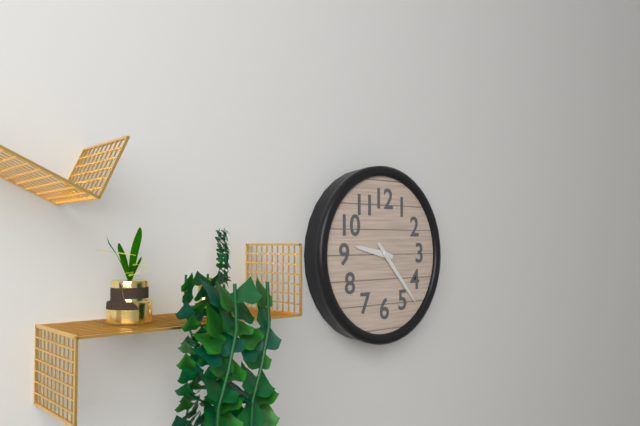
9:23
